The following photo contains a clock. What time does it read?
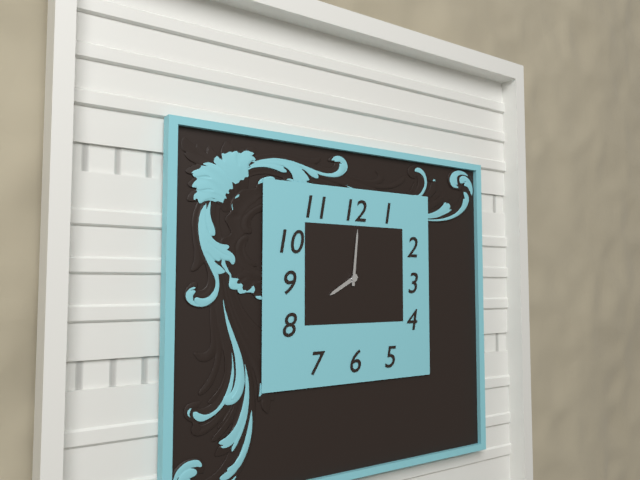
8:01
